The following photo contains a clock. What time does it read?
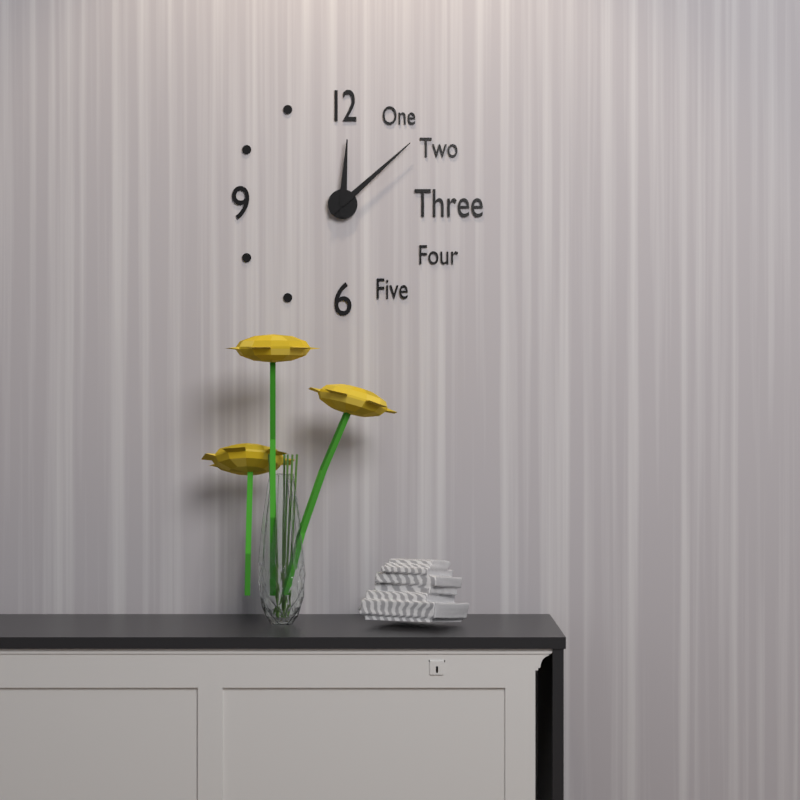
12:08
